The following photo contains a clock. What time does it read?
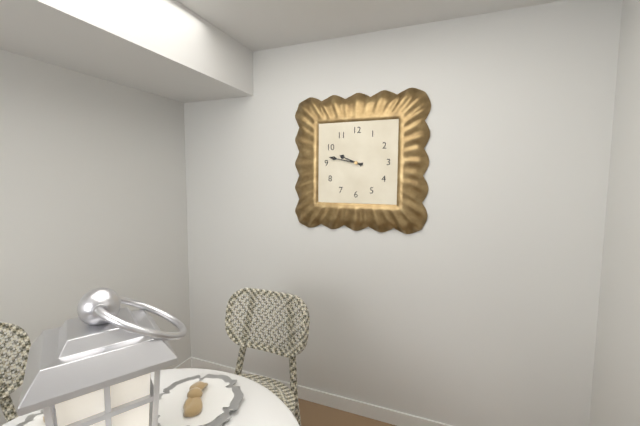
9:47
